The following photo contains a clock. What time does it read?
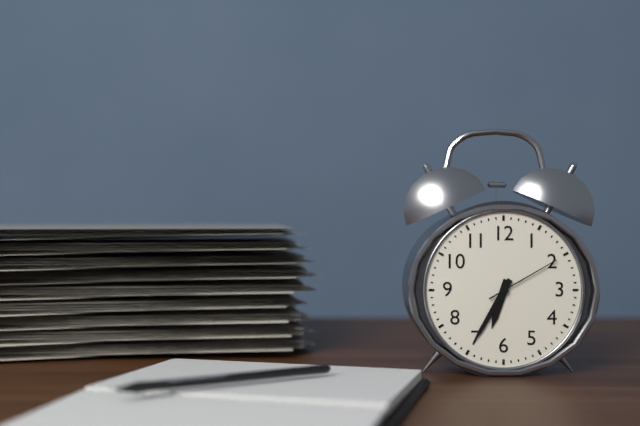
6:35:10
